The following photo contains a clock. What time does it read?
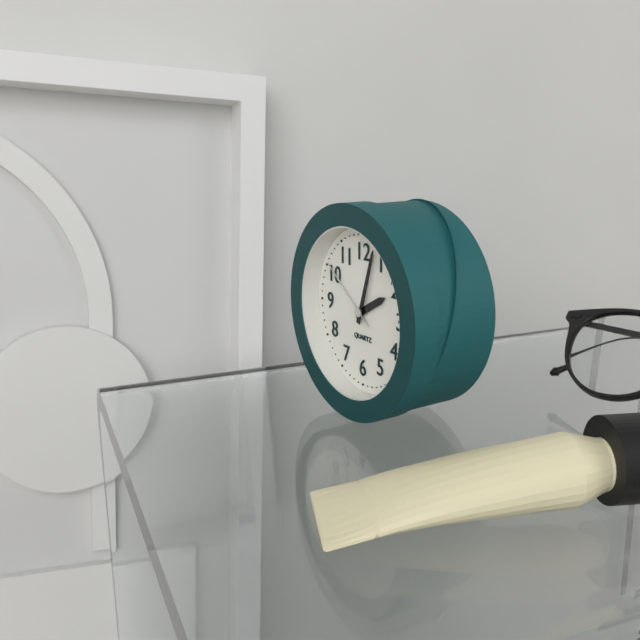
2:03:51
